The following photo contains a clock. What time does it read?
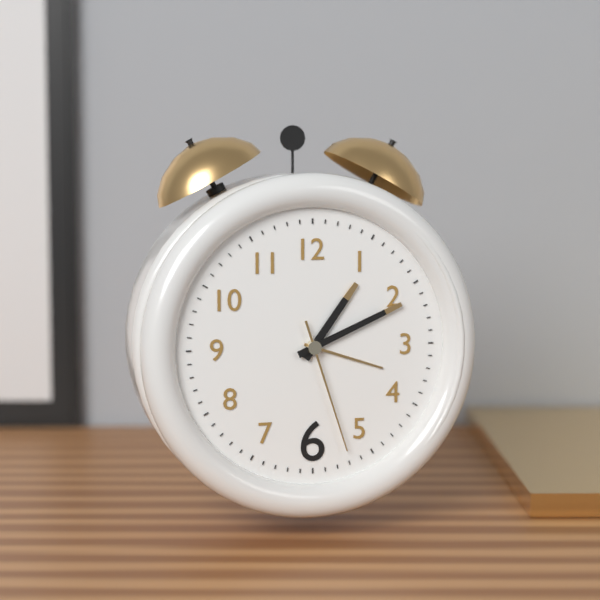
1:11:27
